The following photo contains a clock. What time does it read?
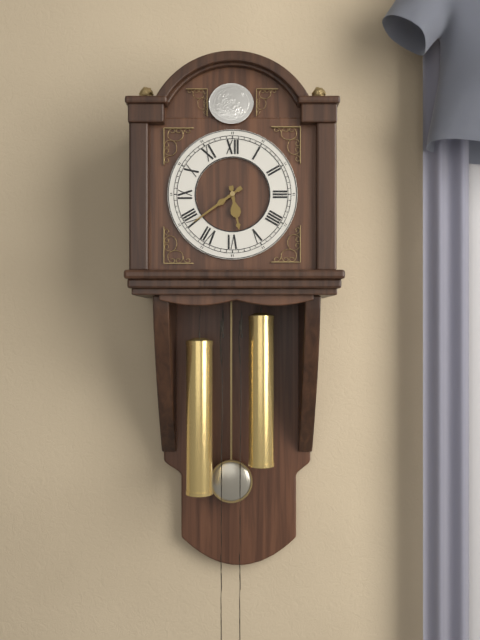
5:39
